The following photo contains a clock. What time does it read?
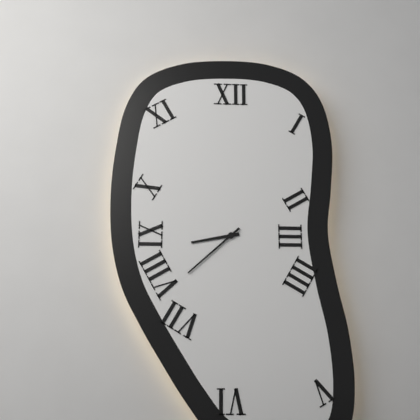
8:38
